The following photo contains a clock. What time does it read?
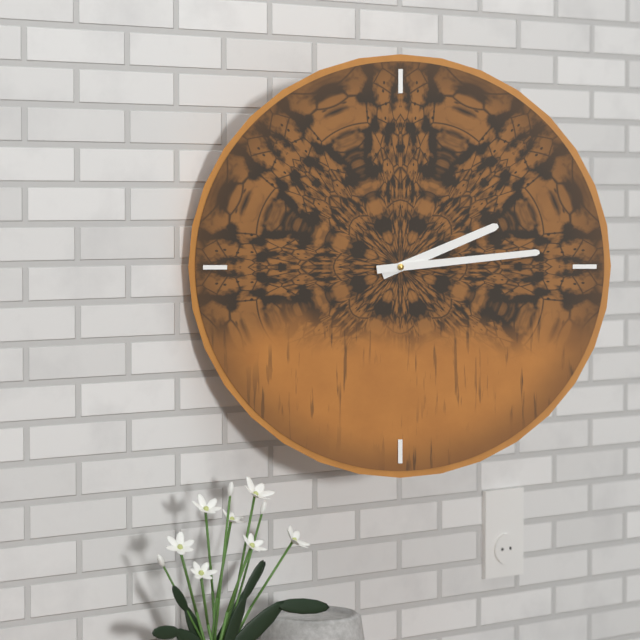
2:14
